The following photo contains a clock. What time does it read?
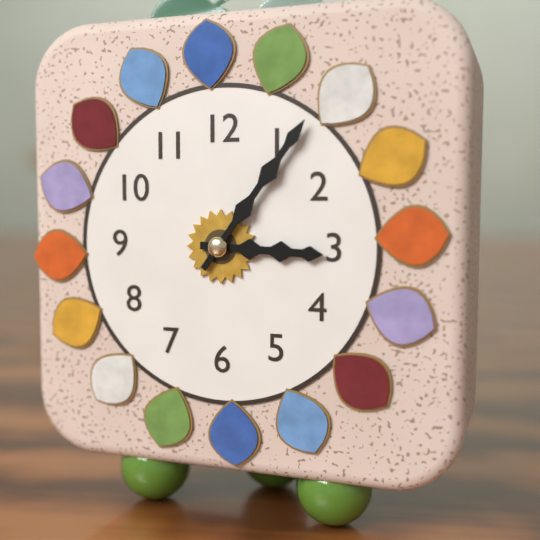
3:06
